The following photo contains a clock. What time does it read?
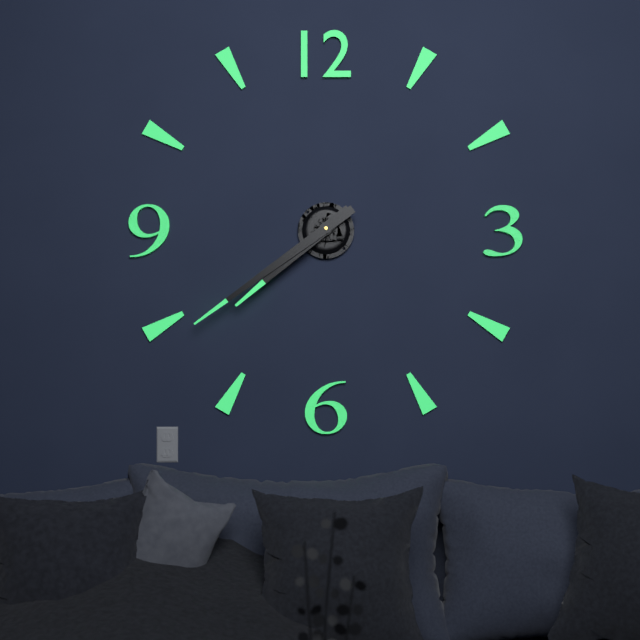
7:39
